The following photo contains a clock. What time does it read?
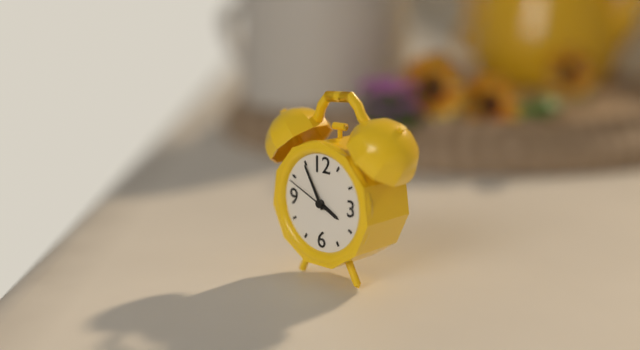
3:55
